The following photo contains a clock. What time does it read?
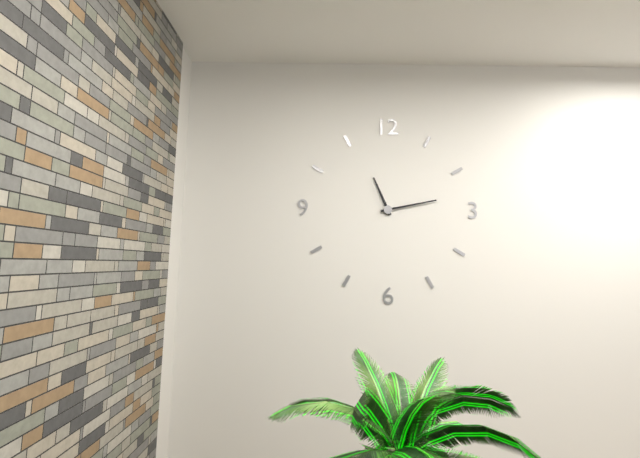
11:13
